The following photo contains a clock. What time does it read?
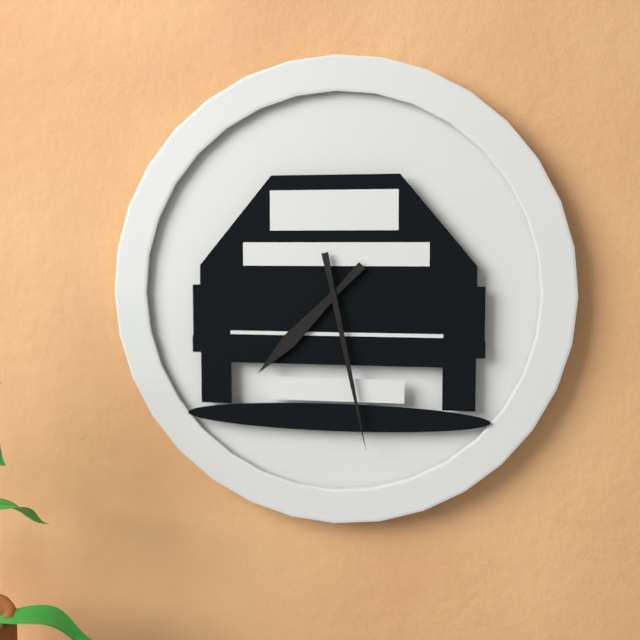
7:28
